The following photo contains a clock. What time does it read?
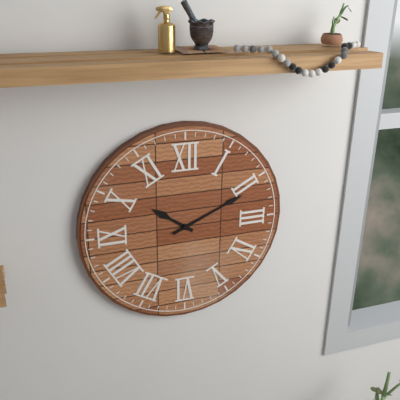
10:11
